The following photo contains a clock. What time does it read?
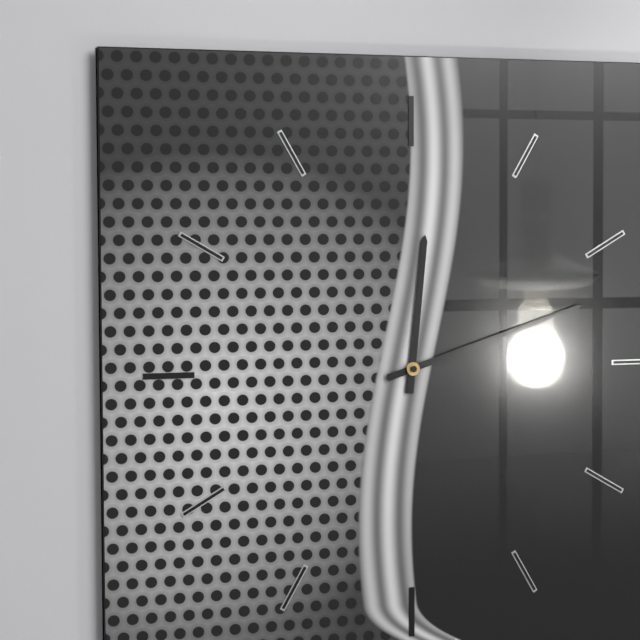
12:12
